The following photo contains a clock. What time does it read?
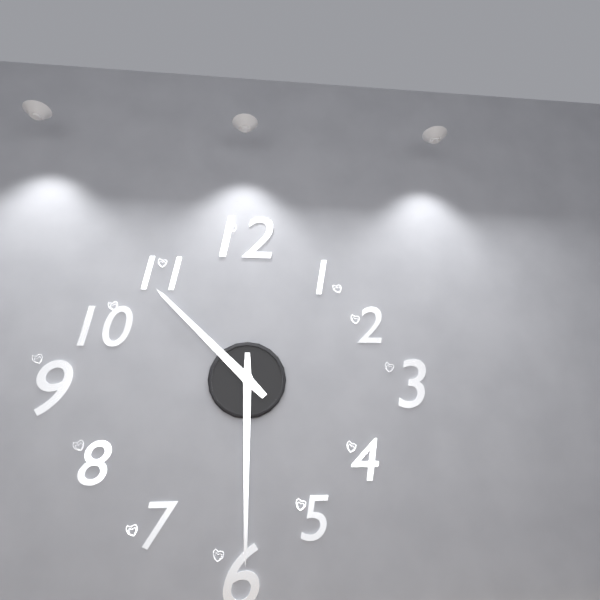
10:30
